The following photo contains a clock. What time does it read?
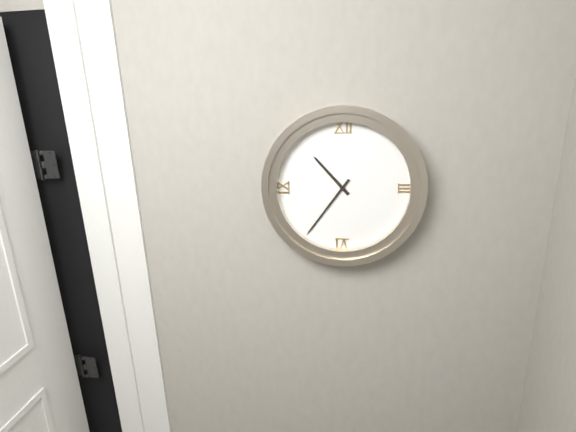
10:36
